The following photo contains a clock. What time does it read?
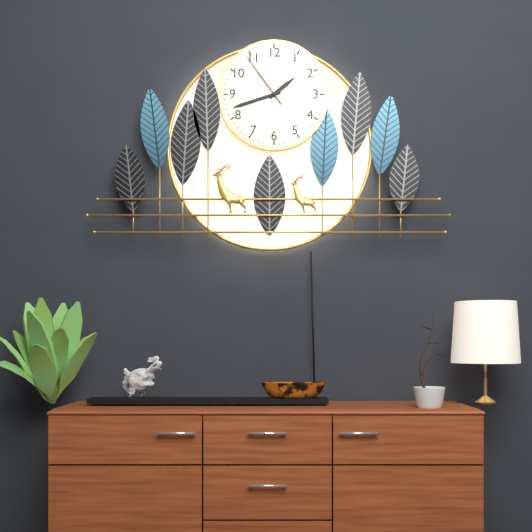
1:42:54
